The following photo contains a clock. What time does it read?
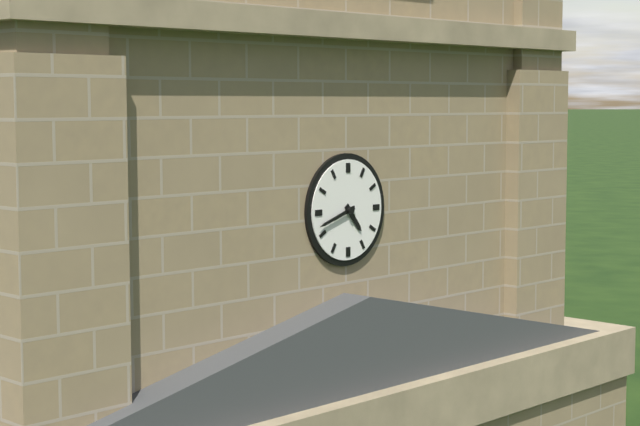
4:42
